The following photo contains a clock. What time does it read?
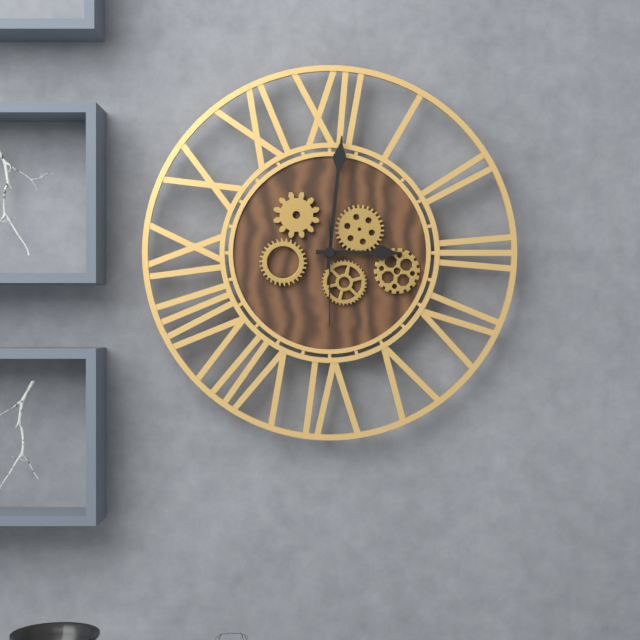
3:01:30
